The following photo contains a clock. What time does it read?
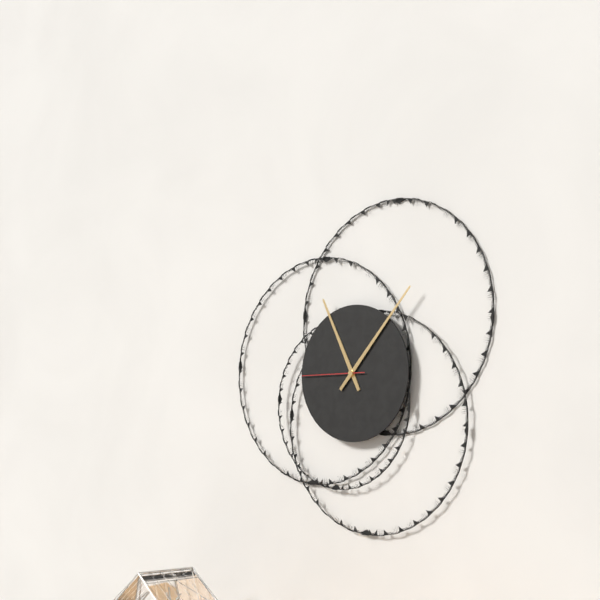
11:07:45
